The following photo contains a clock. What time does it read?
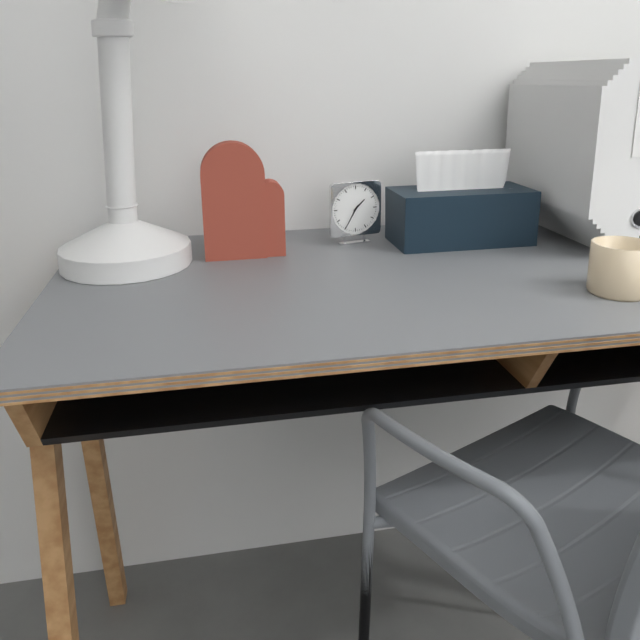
1:35
